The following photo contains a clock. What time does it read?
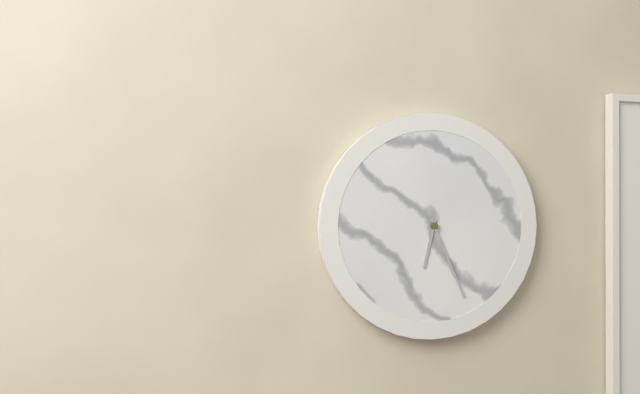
6:26
